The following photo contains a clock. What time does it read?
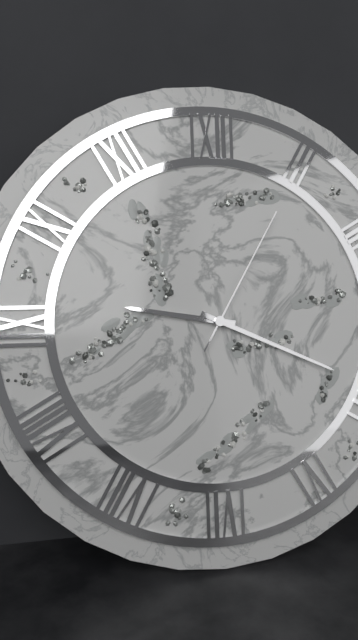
9:19:05
